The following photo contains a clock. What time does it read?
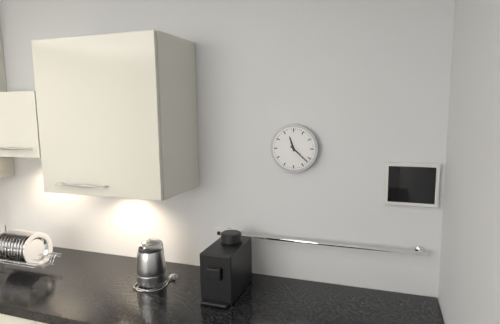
11:22
